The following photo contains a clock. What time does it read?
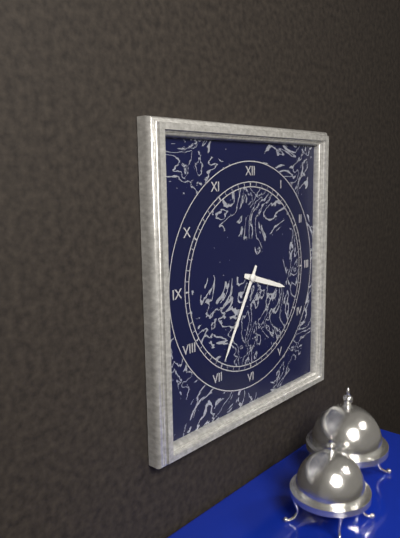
3:35
